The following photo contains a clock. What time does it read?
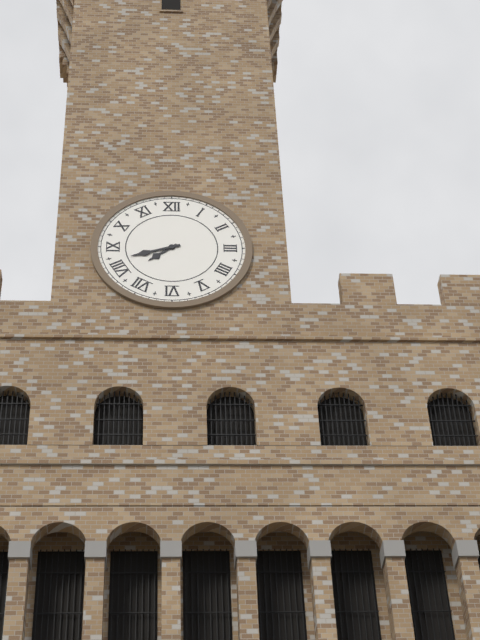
7:42
